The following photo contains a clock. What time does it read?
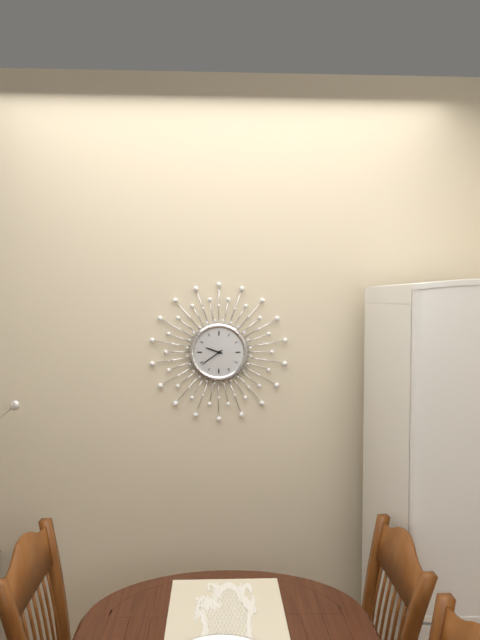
9:39
